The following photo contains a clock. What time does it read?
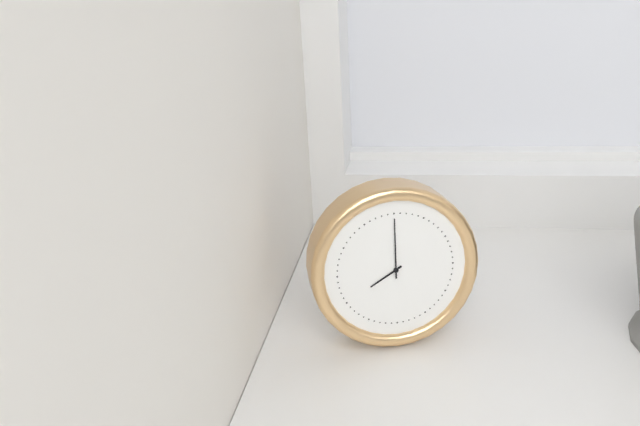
8:00
